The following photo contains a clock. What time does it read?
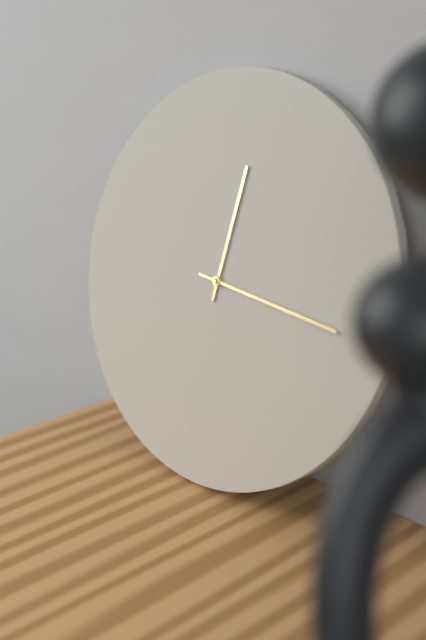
12:16
